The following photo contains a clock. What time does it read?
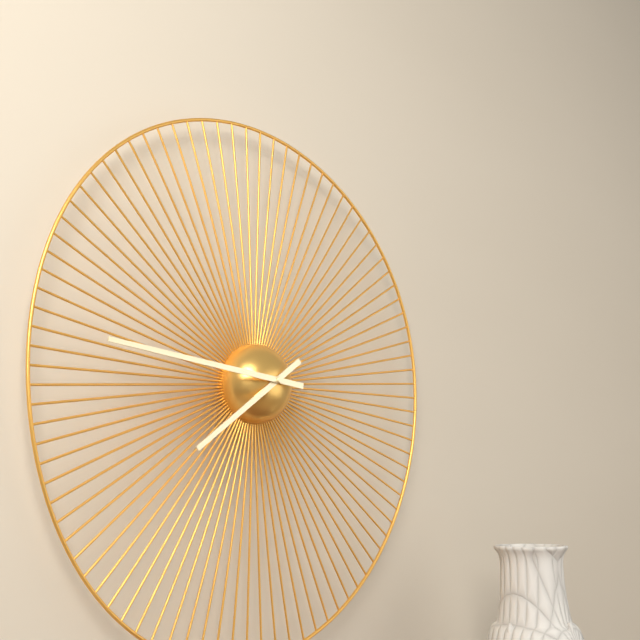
7:46
